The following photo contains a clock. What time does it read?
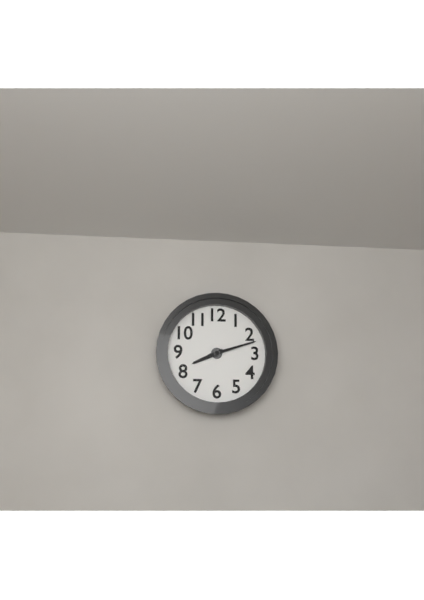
8:12
